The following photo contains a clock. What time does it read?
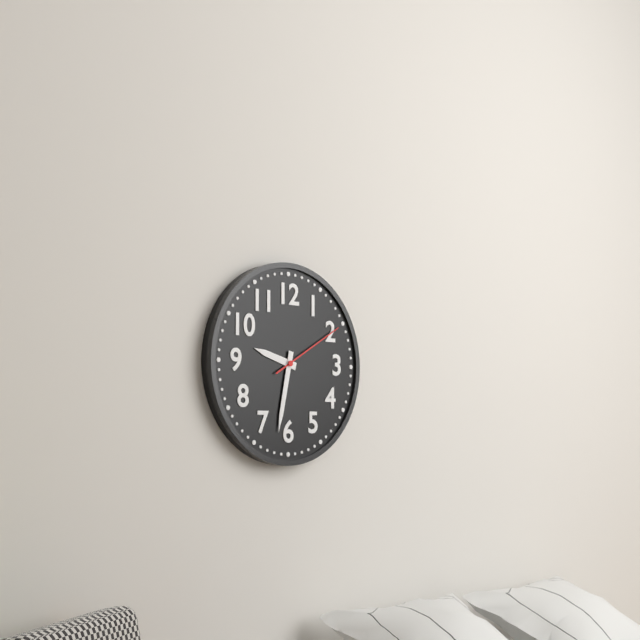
9:32:10
